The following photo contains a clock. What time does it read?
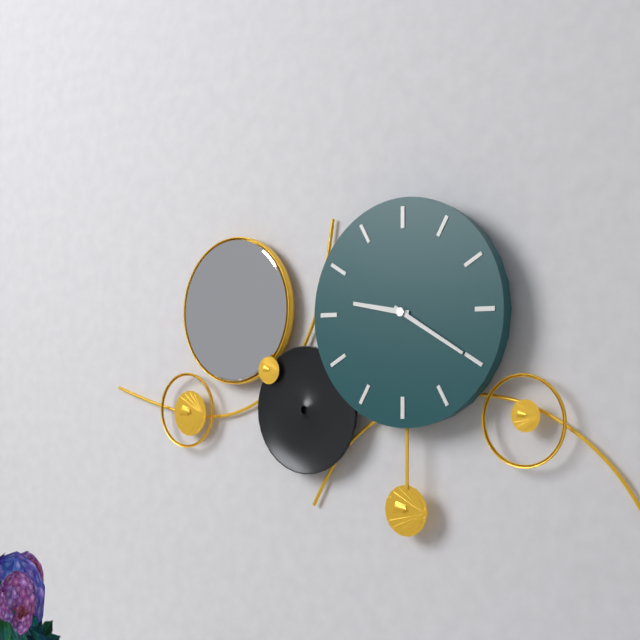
9:20
